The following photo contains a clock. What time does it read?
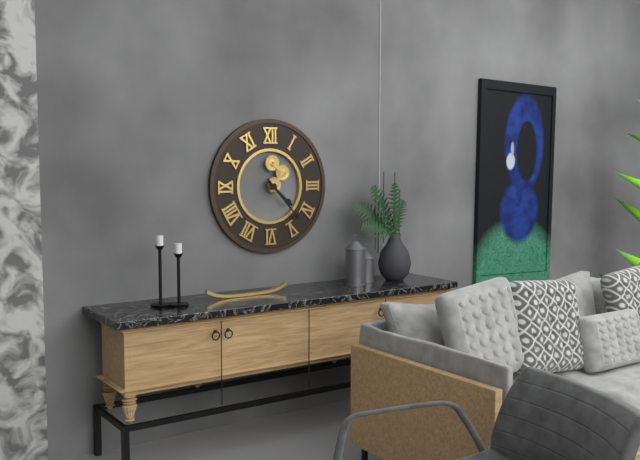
4:23
